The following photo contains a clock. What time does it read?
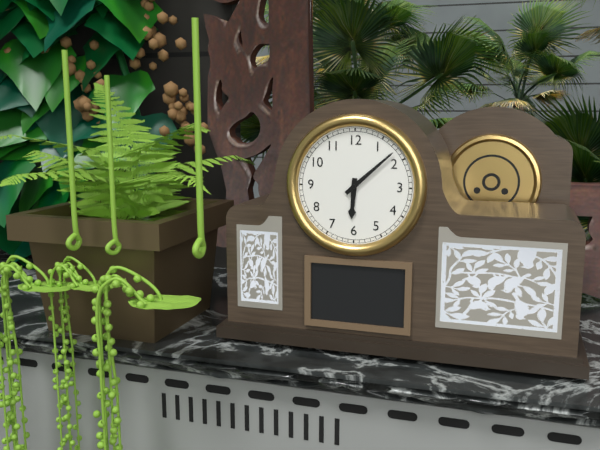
6:08
